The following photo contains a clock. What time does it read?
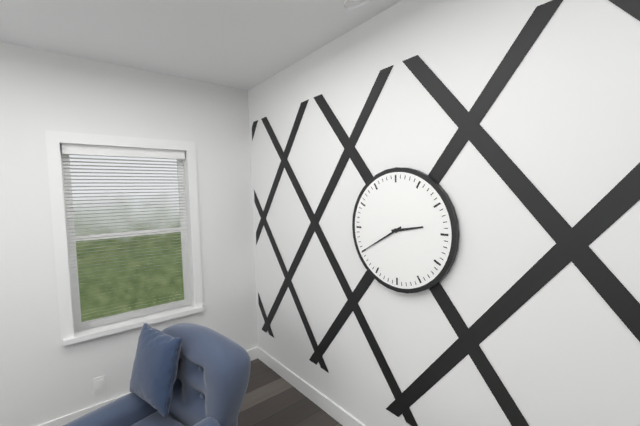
2:40
